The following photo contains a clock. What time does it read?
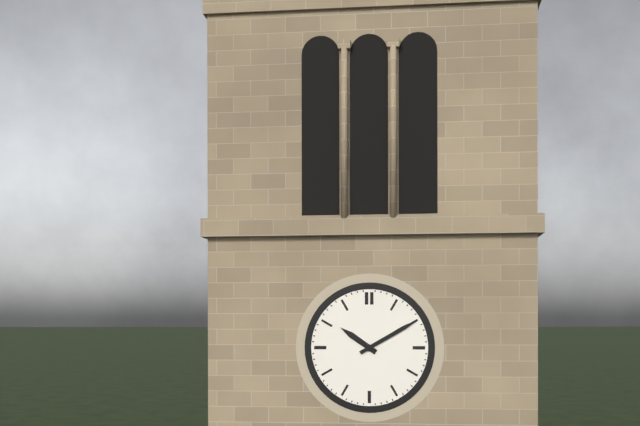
10:10
